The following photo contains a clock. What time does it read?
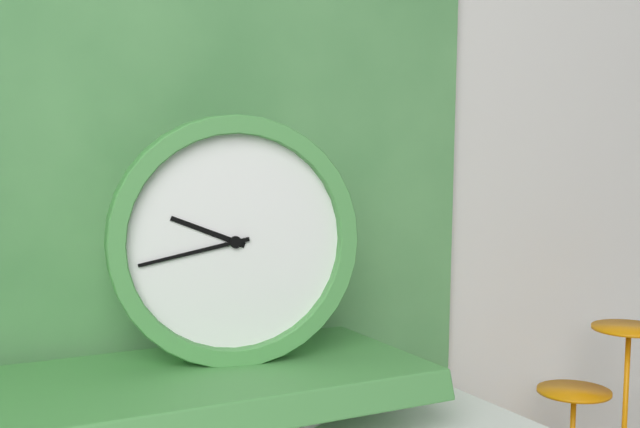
9:43
